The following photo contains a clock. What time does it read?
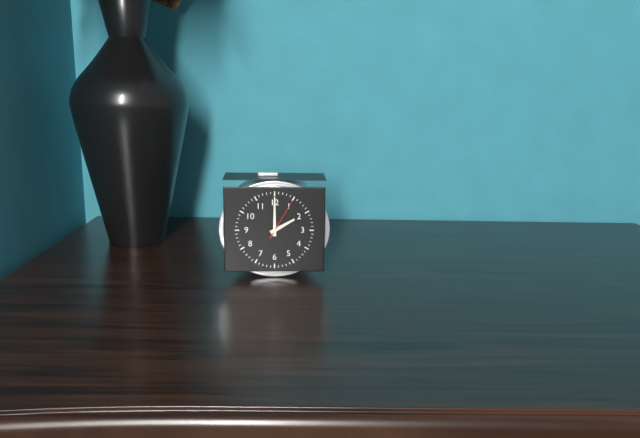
2:00
